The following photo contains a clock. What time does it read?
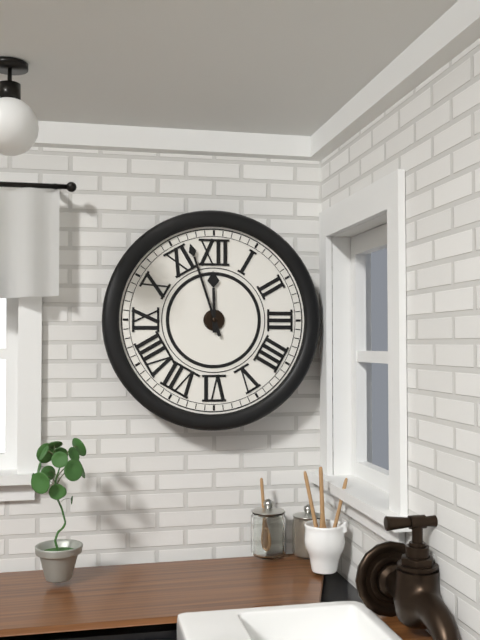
11:57
